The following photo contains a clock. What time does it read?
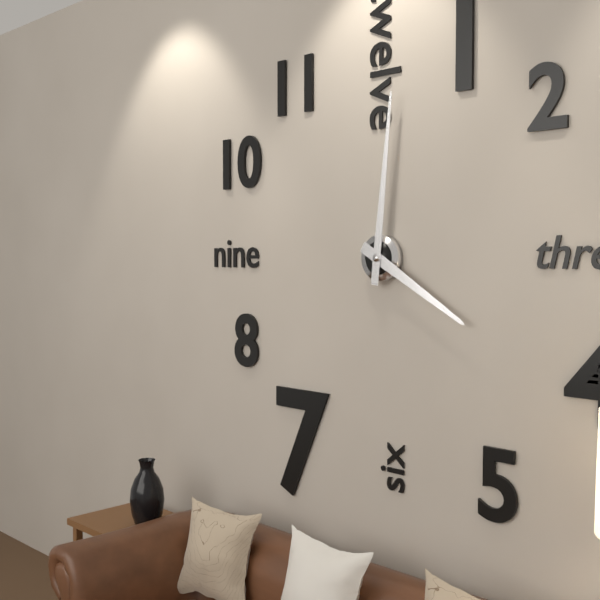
4:01
